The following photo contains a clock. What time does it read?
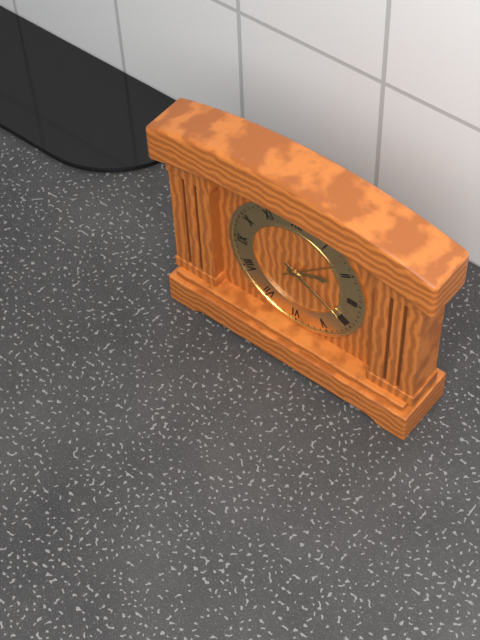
2:20:08
